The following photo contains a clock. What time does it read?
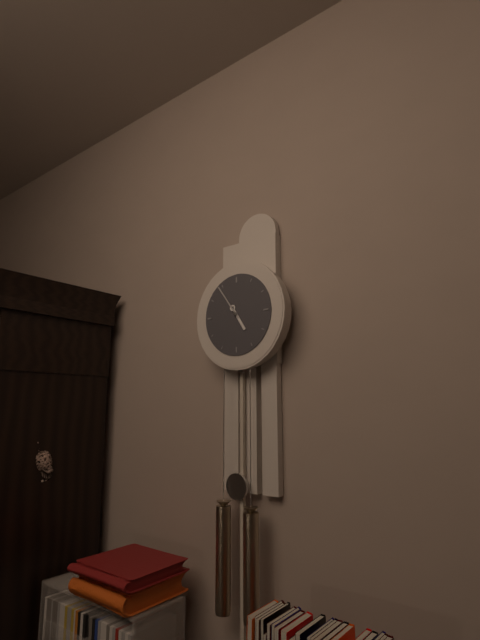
4:54
